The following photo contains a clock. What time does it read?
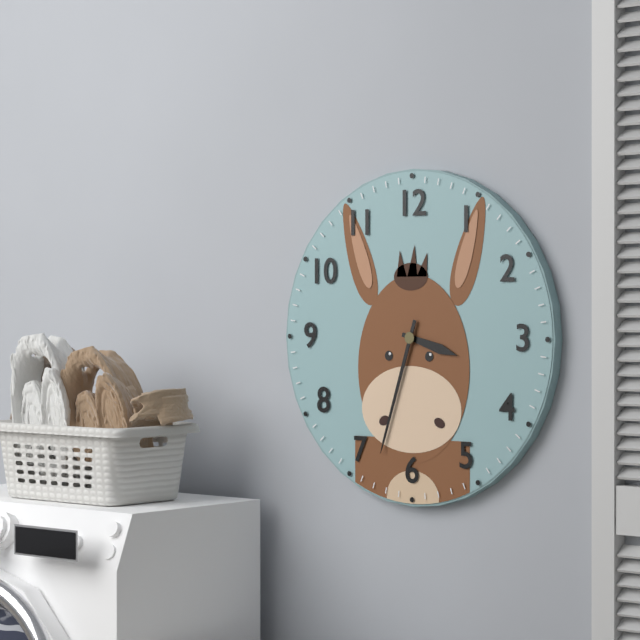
3:33
